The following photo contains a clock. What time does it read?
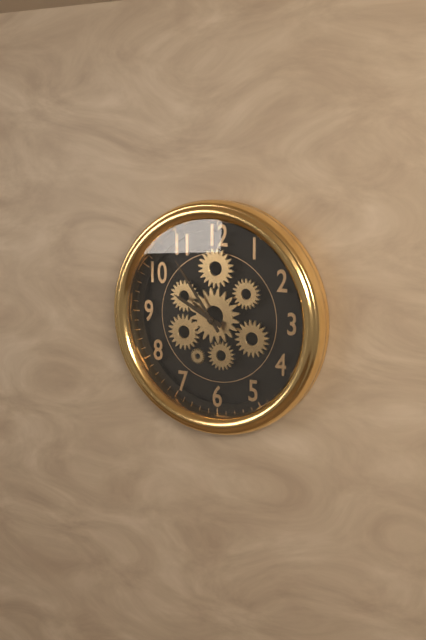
9:54
